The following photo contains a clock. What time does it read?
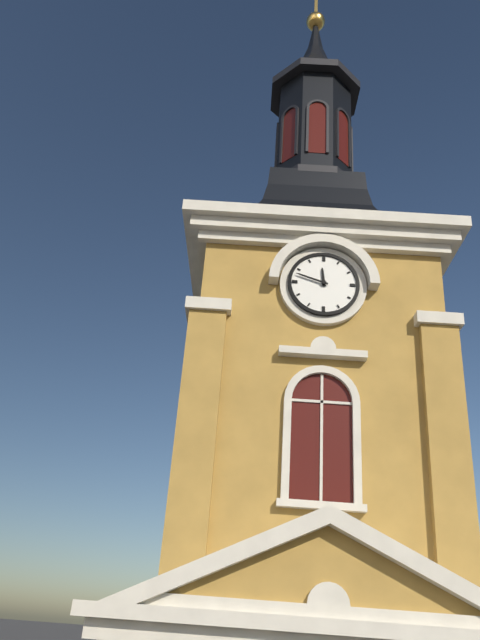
11:48
